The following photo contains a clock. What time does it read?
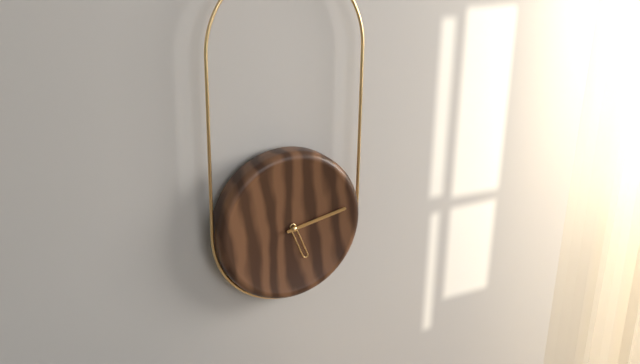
5:13
